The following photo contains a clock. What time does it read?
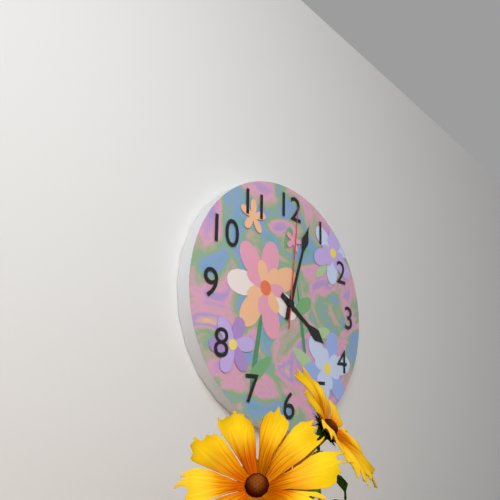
4:03:01
